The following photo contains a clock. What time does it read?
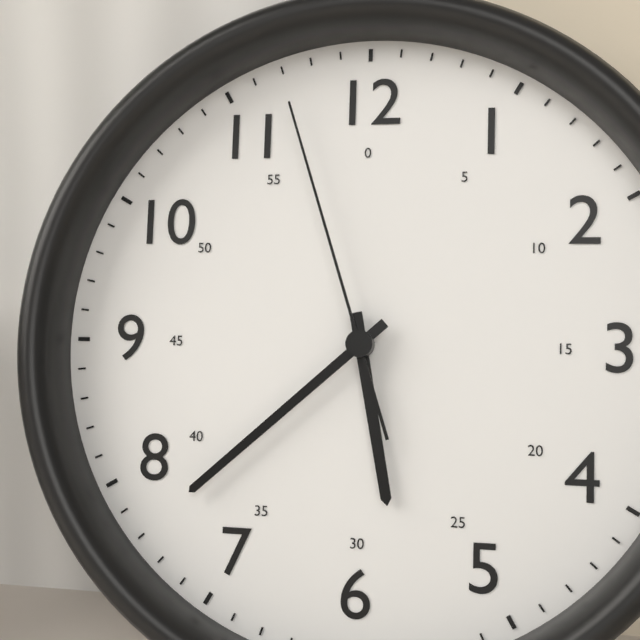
5:38:57
